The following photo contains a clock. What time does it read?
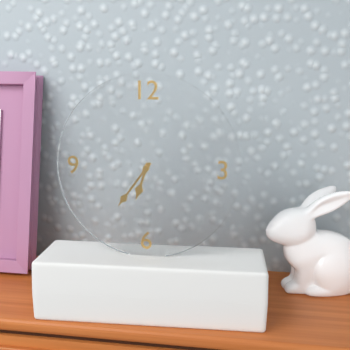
6:36
